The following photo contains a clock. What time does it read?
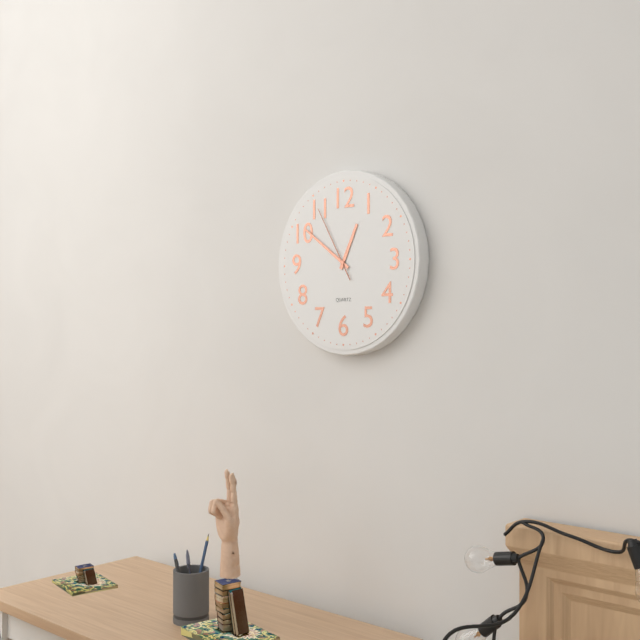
12:51:55
